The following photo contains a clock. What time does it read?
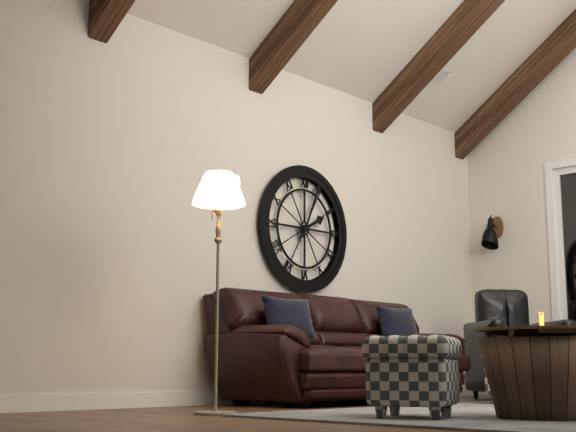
2:04
